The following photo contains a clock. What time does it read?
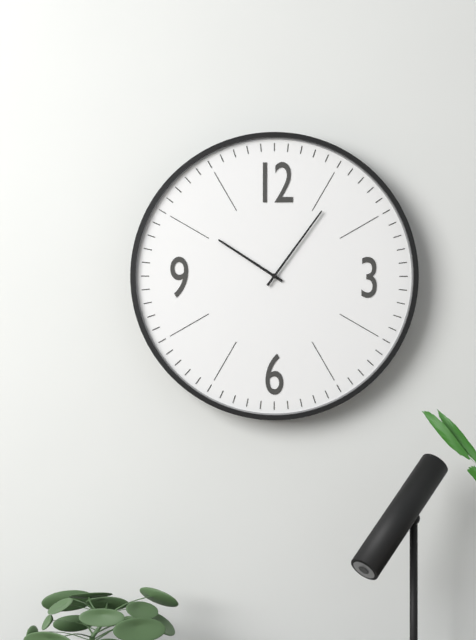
10:06
